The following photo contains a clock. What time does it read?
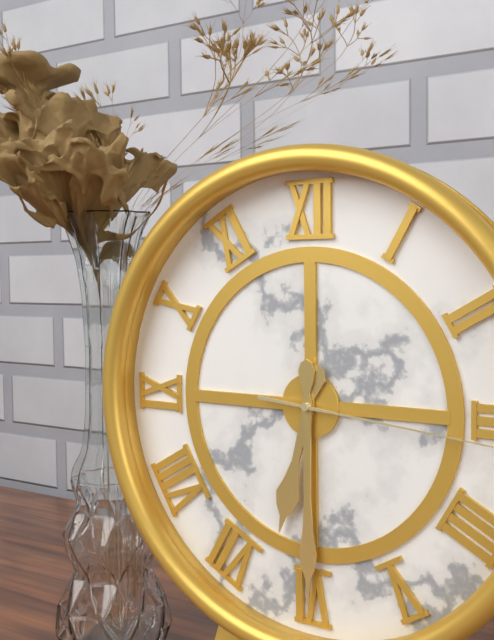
6:30
